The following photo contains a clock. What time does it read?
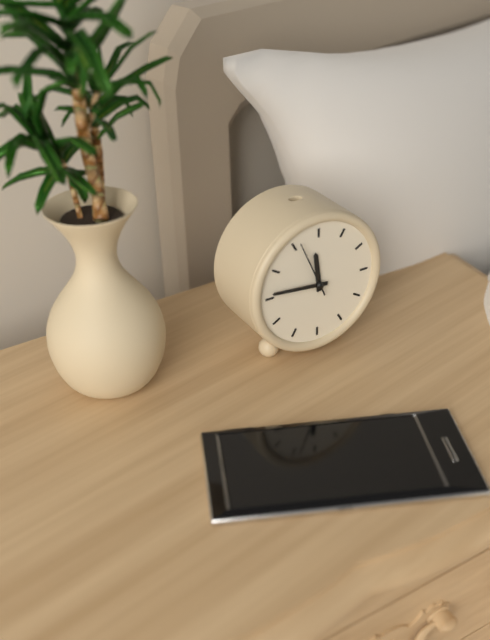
11:46
